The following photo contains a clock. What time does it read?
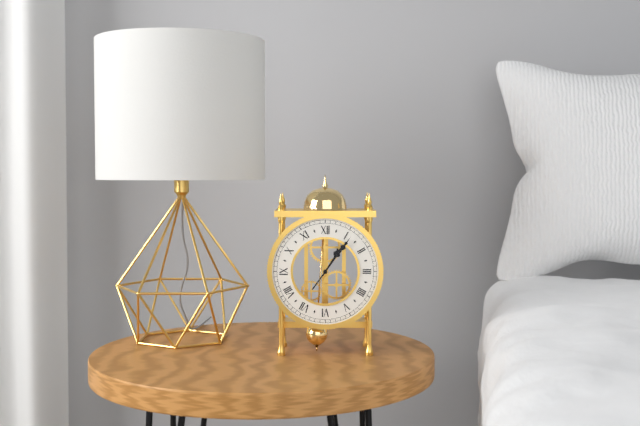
1:06
